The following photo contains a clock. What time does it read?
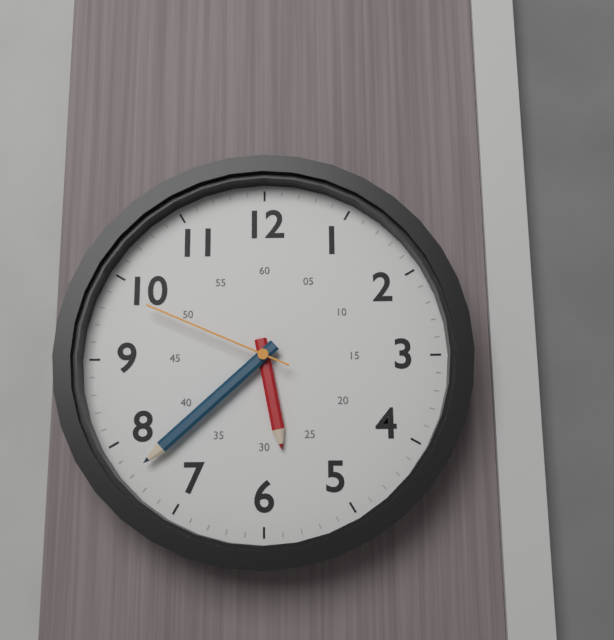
5:38:49
